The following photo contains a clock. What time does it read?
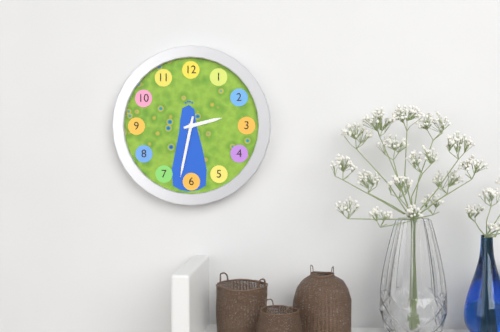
2:32
